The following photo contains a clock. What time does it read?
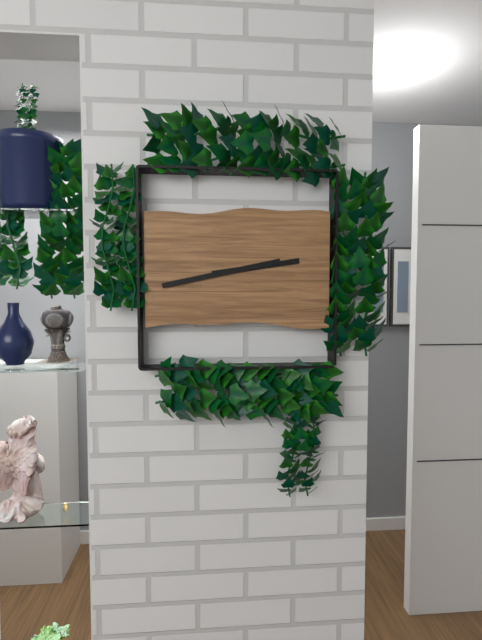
2:43
